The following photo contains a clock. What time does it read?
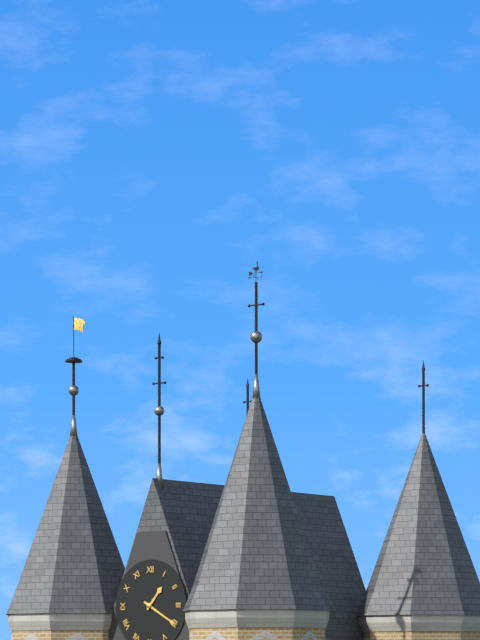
1:20
